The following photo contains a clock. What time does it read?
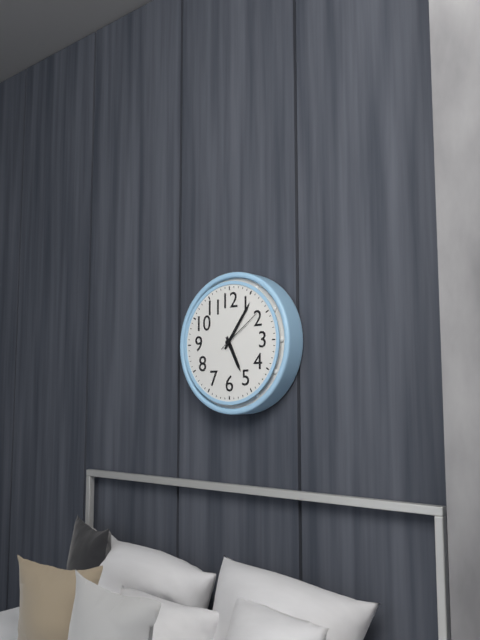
5:06:09
